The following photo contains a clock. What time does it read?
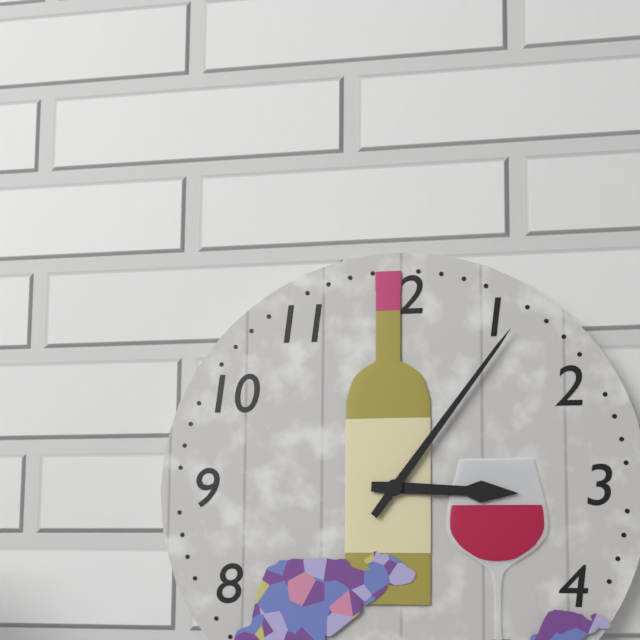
3:06
